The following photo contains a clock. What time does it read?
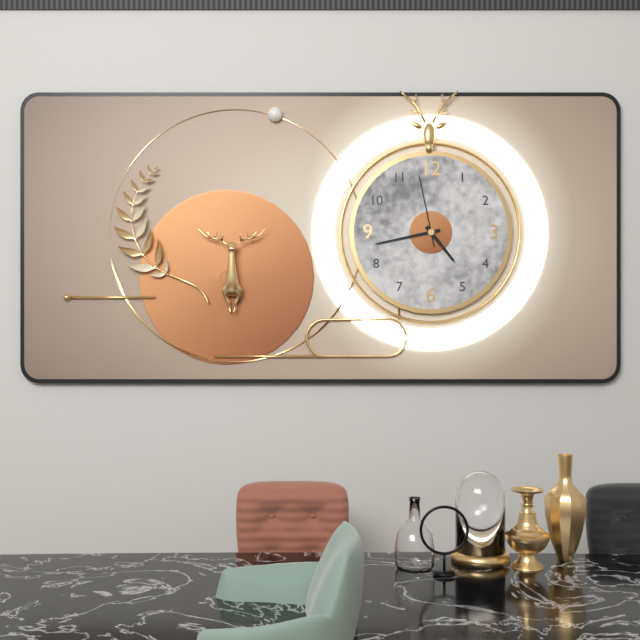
4:43:58
